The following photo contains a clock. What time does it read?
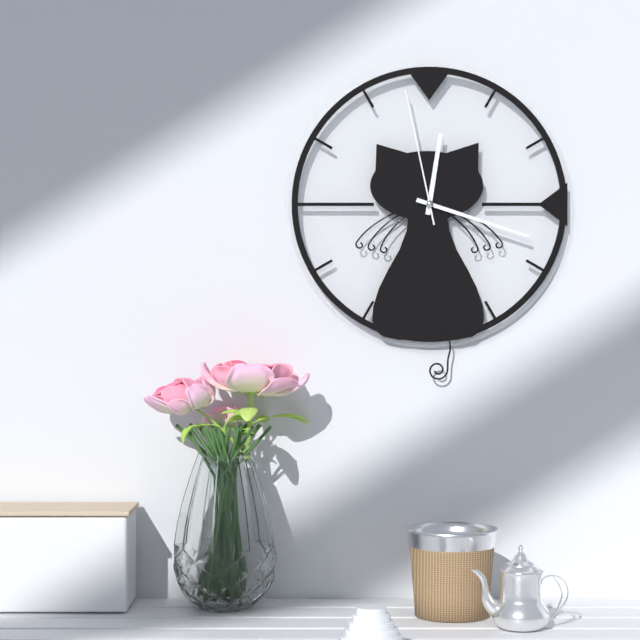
12:18:58
